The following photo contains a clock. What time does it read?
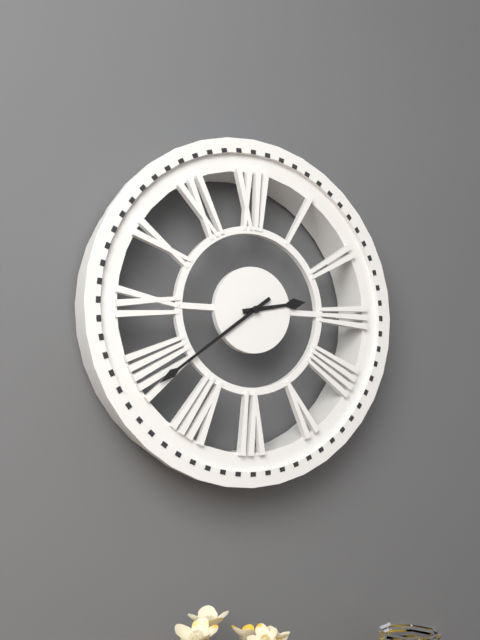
2:39
